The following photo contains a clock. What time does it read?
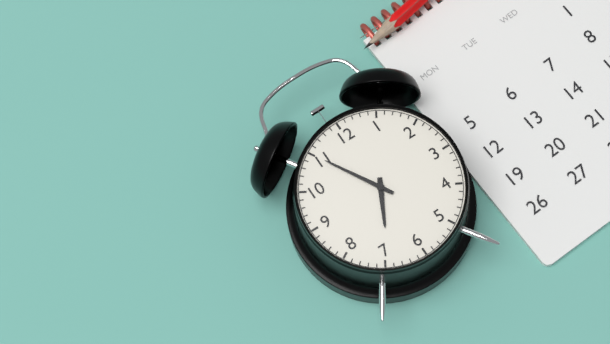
6:55
